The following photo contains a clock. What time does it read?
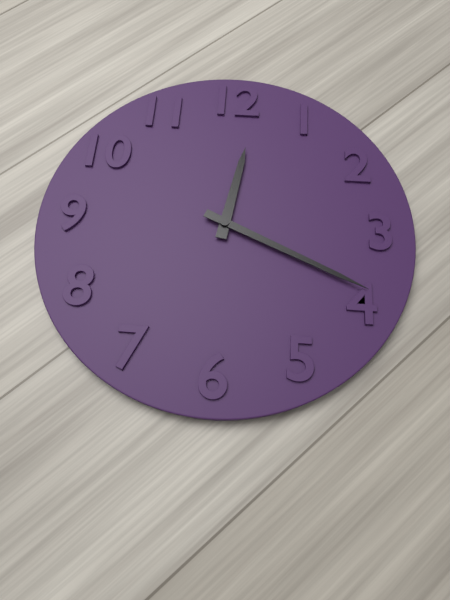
12:19
